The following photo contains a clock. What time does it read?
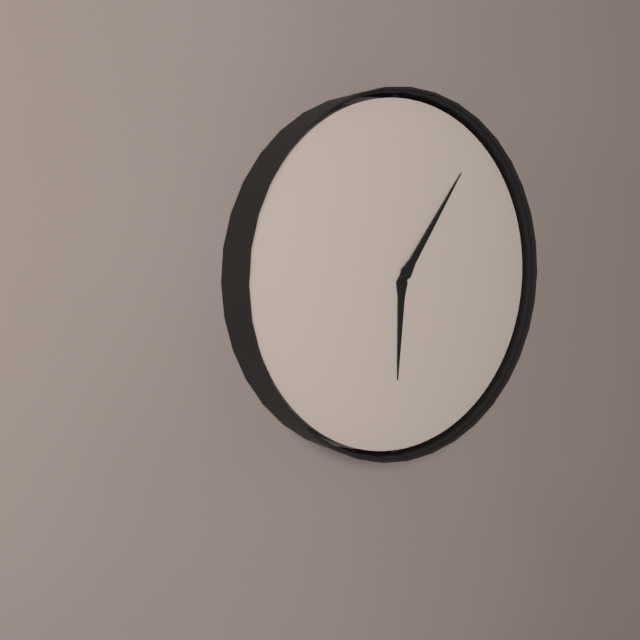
6:06
